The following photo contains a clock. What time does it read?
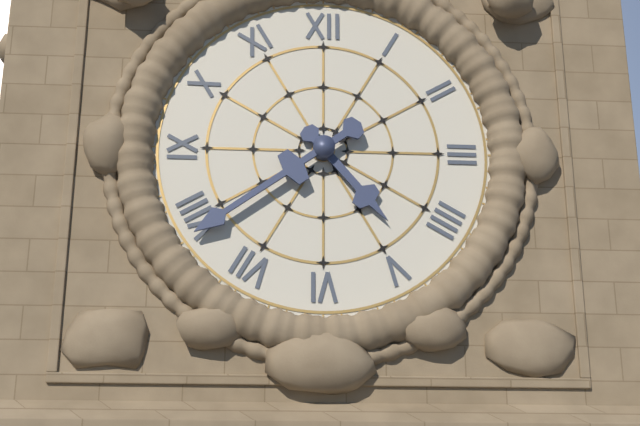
4:39
